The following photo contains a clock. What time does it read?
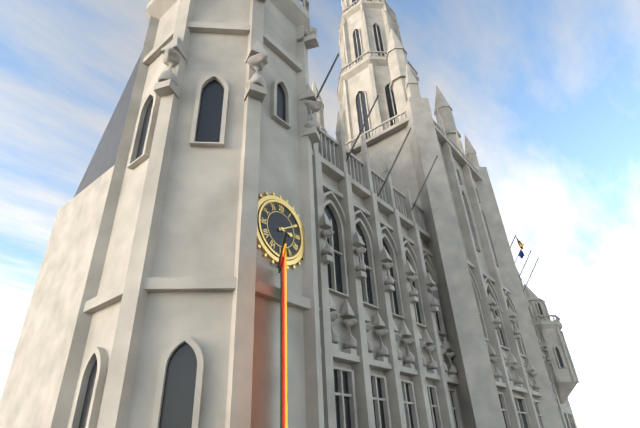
3:10
